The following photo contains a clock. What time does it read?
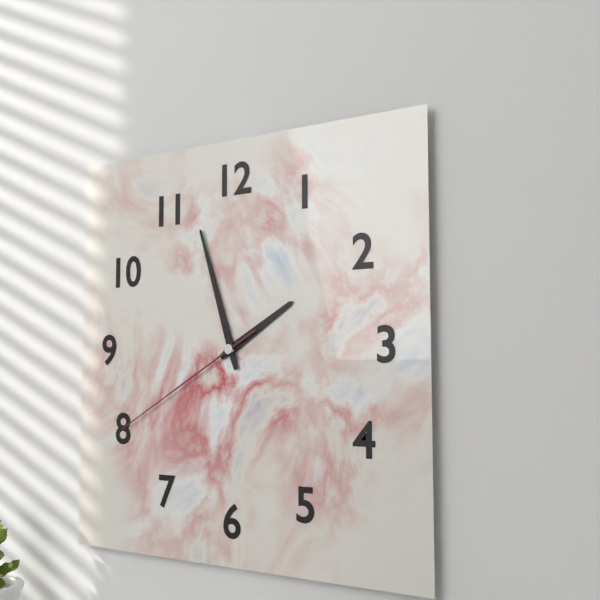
1:57:40
